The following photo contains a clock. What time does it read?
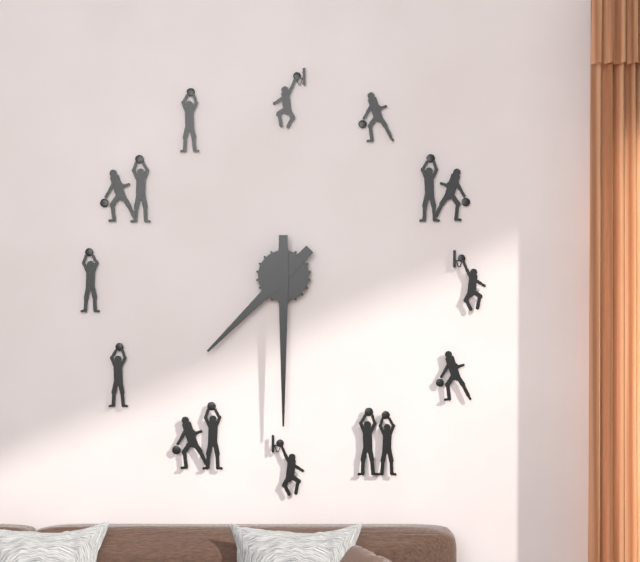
7:30
